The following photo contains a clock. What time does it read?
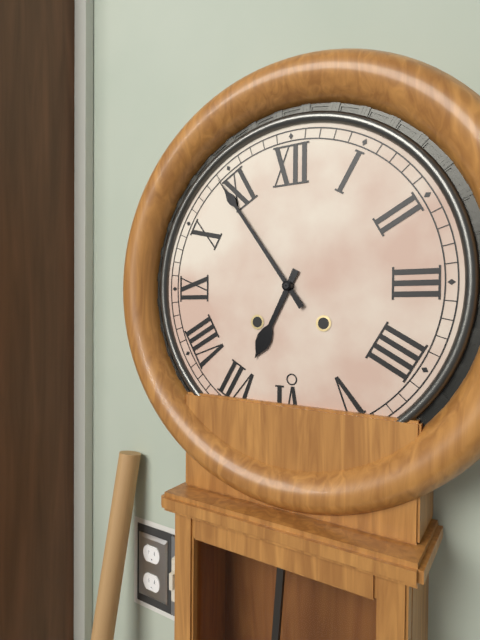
6:54
